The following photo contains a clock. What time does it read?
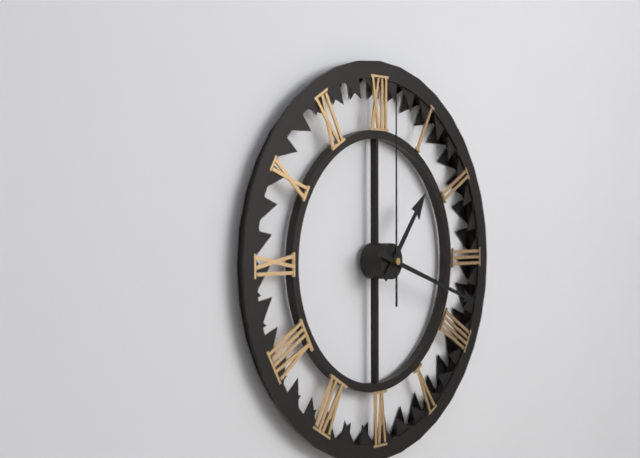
1:18:00
